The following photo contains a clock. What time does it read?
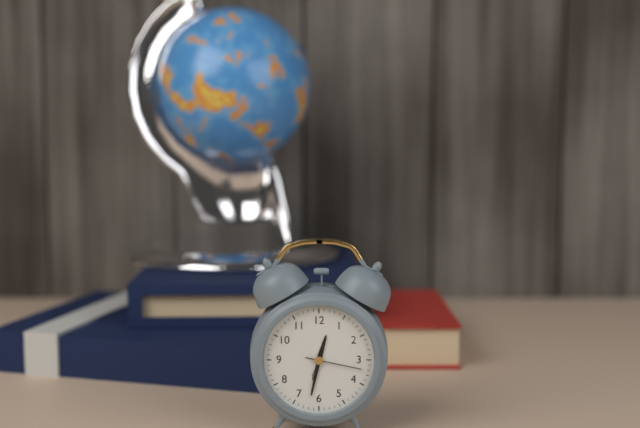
12:32:17
